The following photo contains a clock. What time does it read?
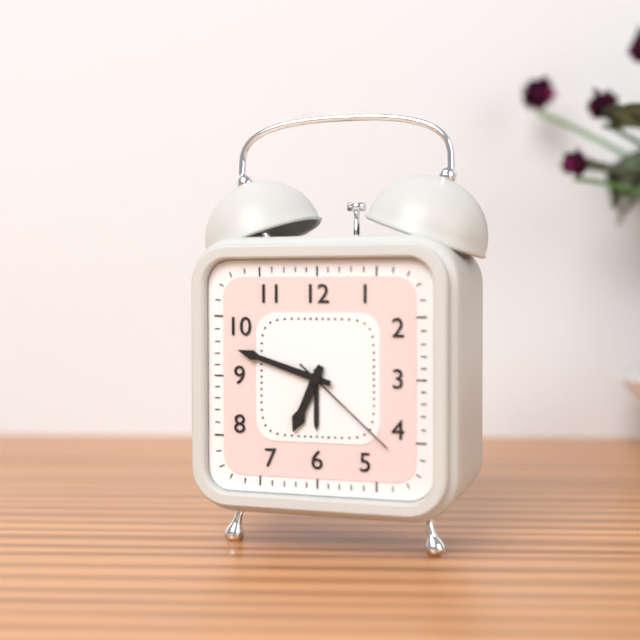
6:48:22
